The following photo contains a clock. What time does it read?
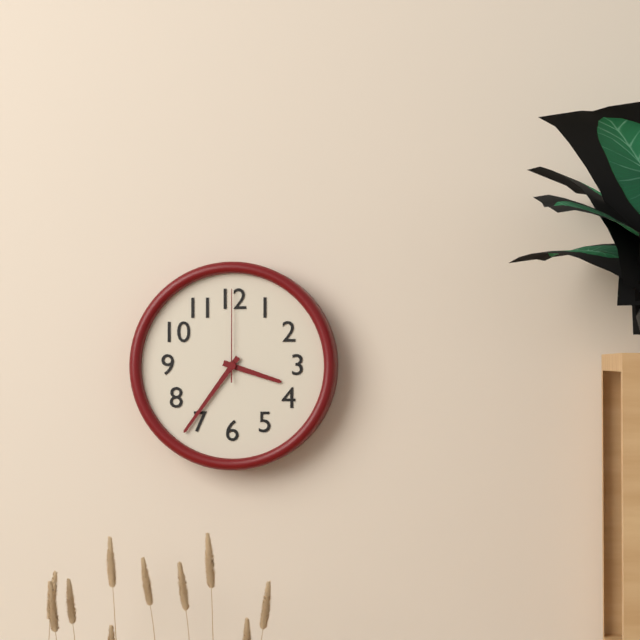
3:36:00
